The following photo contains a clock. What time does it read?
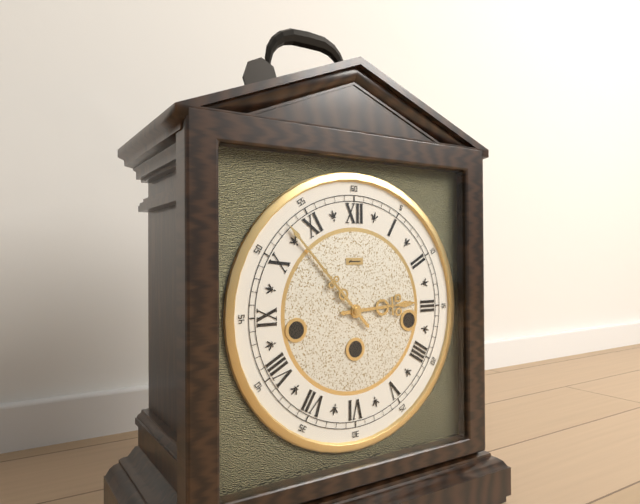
2:53
